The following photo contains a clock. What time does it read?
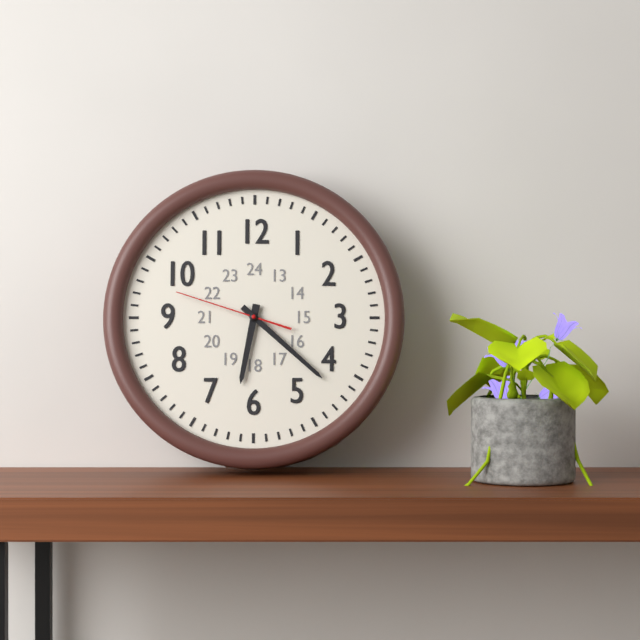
6:22:48
